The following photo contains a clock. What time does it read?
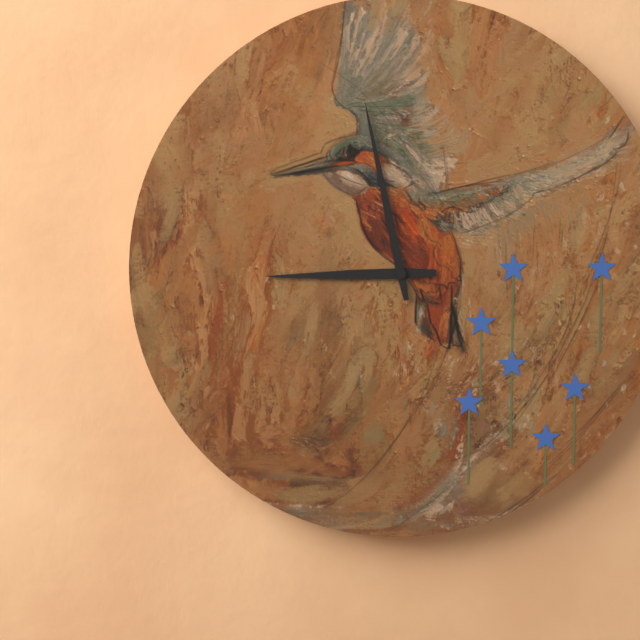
8:58
